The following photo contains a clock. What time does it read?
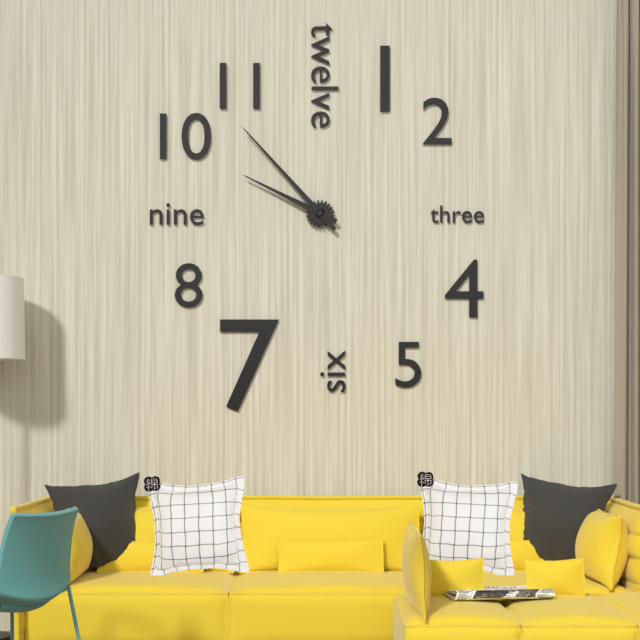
9:53
